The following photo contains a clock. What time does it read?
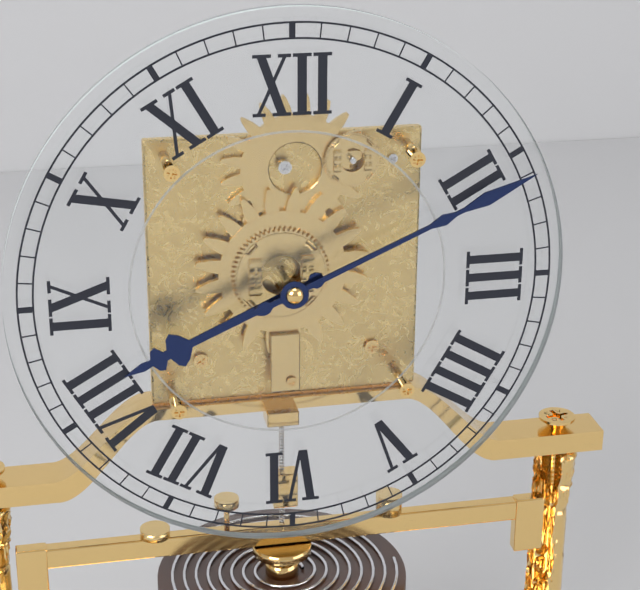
8:11
